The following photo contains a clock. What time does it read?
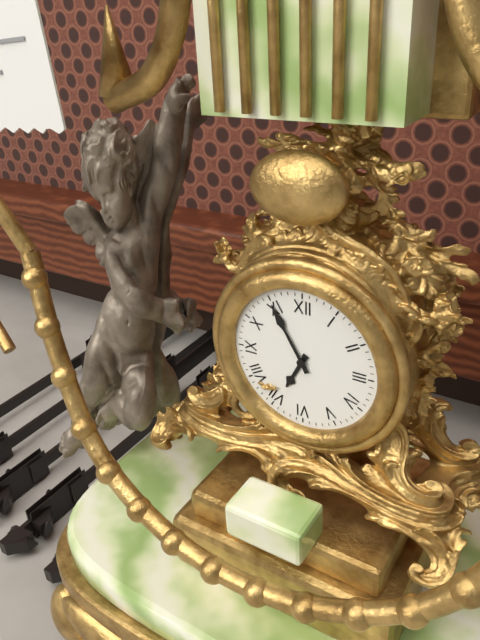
6:55
